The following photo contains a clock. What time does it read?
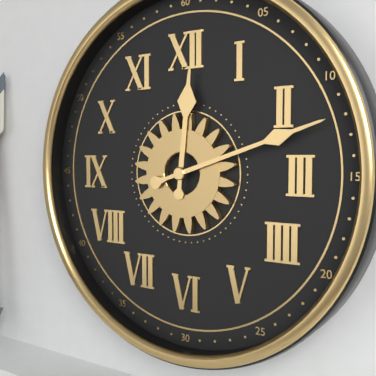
12:12
